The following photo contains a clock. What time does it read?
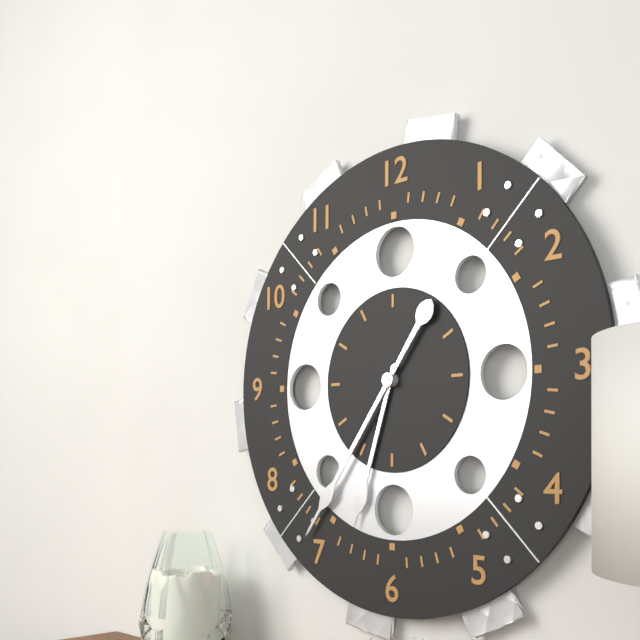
6:36
